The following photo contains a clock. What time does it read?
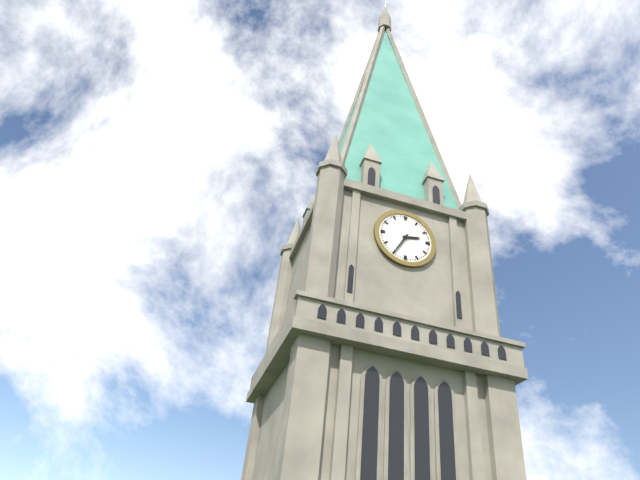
2:35
